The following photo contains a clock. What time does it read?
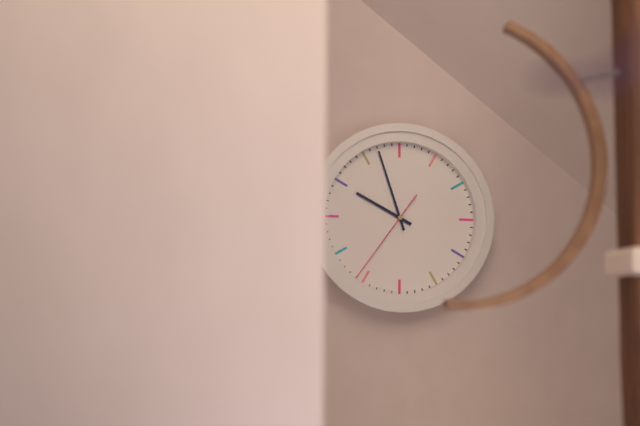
9:57:36
